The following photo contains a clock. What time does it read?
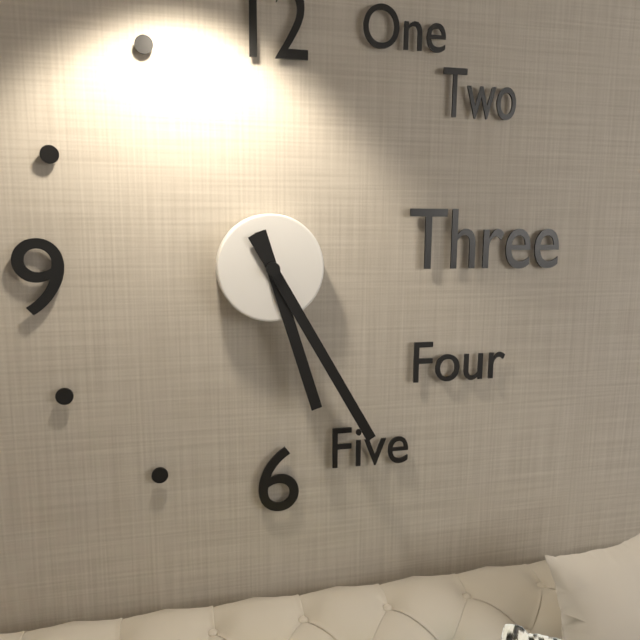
5:25
